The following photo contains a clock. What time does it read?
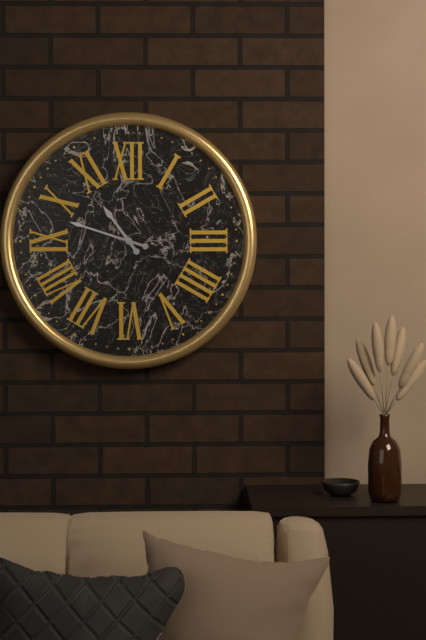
10:48
